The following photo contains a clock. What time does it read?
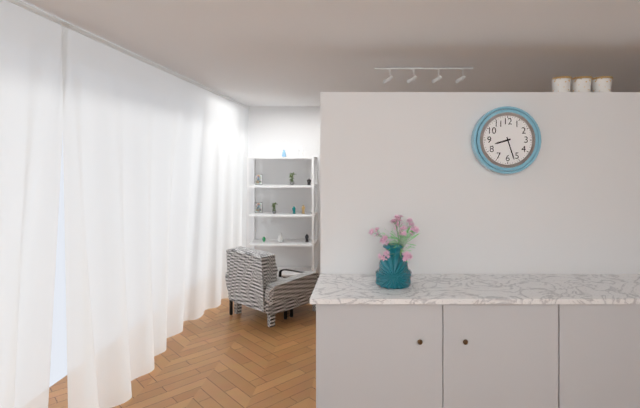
8:27
